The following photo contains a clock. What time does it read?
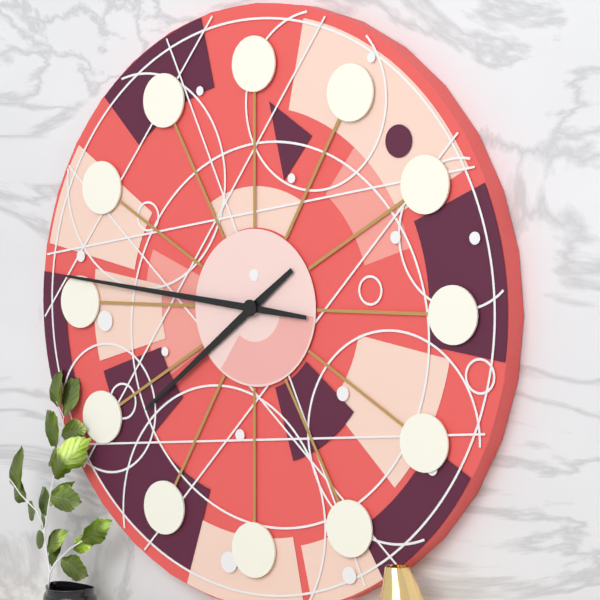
7:46
